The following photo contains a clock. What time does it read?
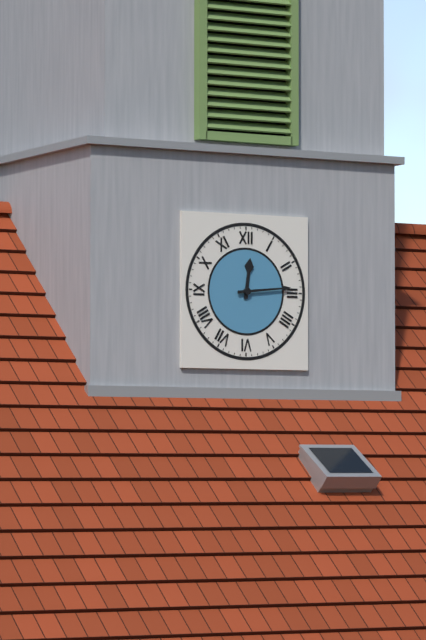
12:14
